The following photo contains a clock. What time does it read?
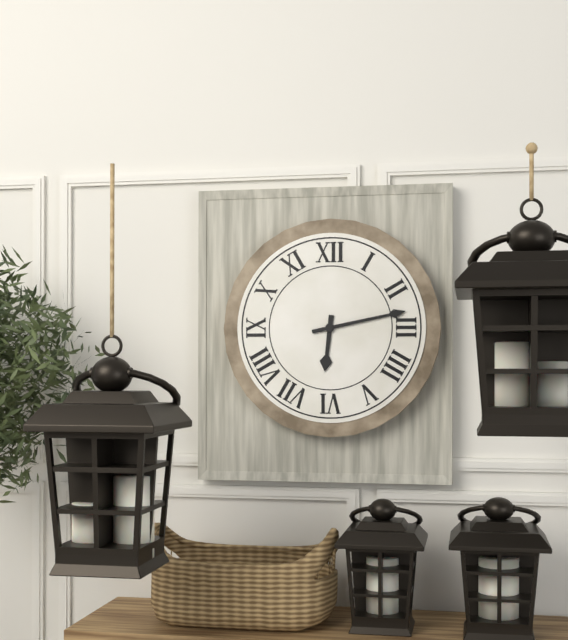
6:13
